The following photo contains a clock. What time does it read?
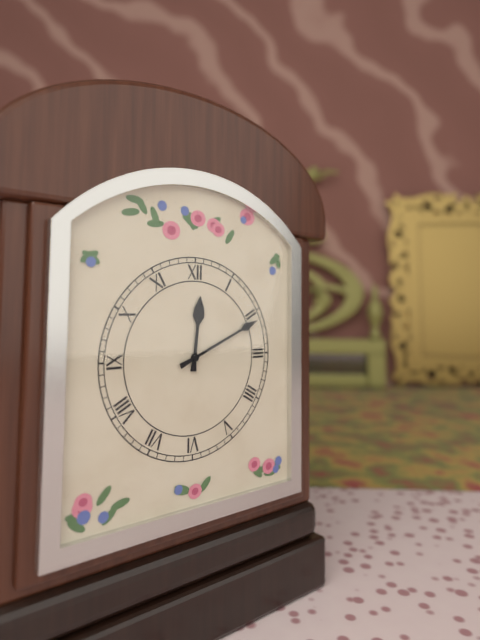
12:11
